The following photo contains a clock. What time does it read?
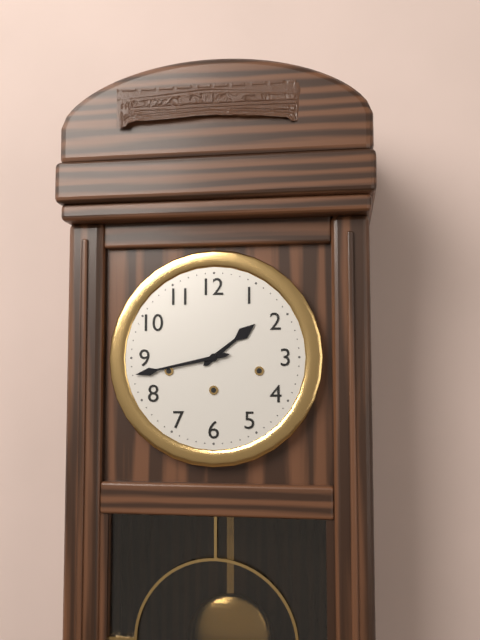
1:43
